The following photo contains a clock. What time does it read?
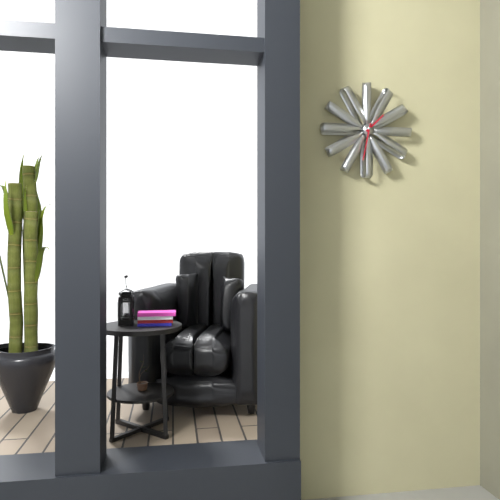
1:32
